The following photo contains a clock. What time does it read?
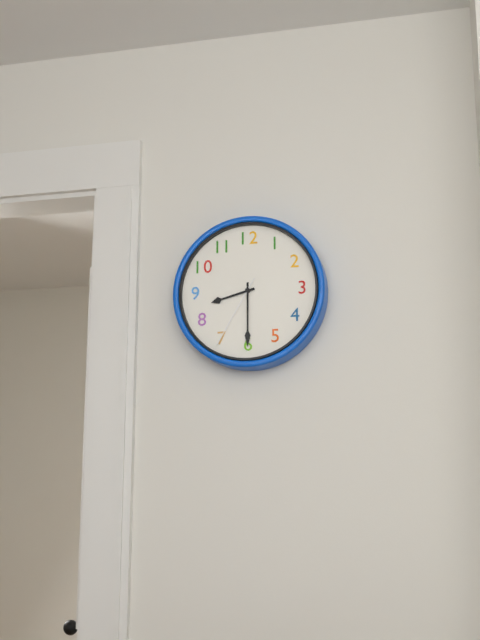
8:30:35
